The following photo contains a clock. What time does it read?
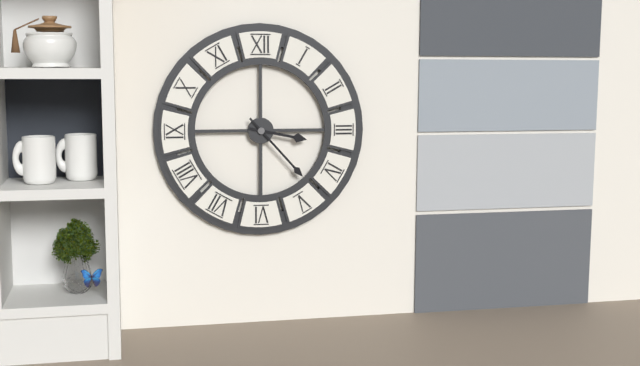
3:23
